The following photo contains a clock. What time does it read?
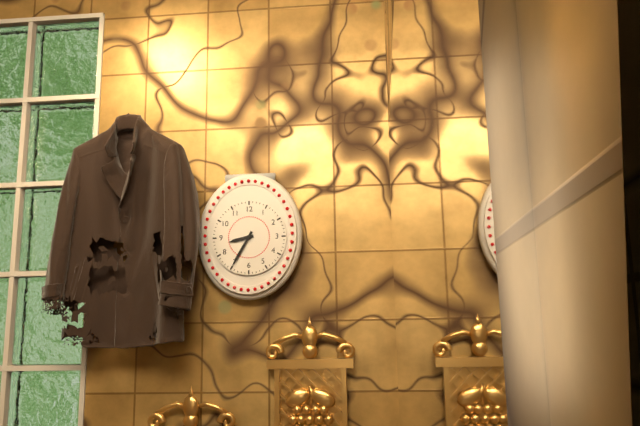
8:35
